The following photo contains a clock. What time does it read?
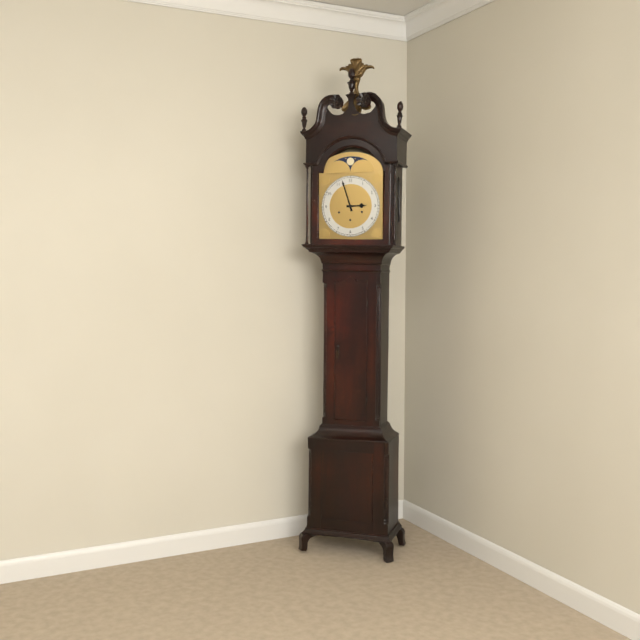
2:57
